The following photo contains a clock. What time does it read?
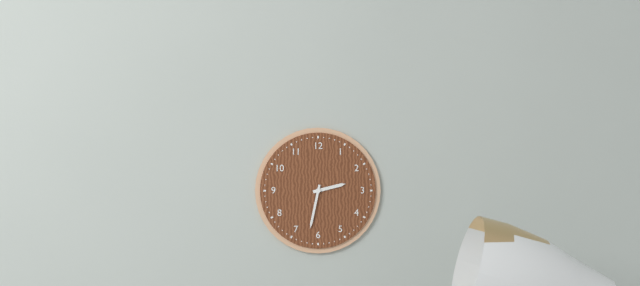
2:32
